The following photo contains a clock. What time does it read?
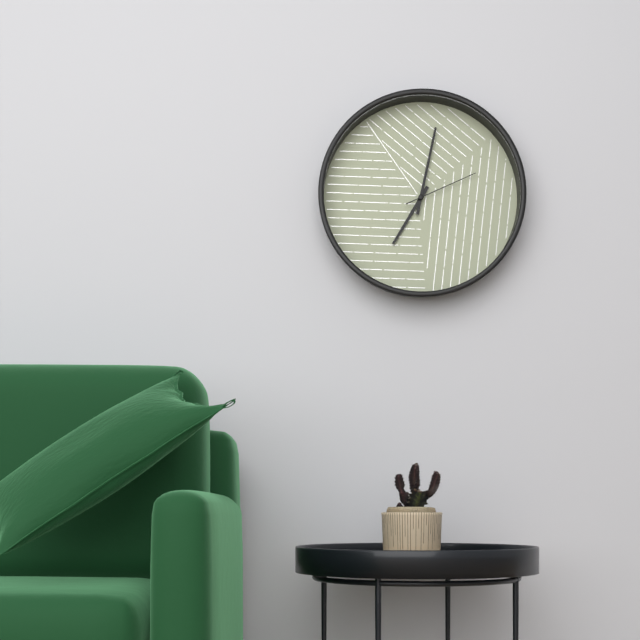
7:02:11
